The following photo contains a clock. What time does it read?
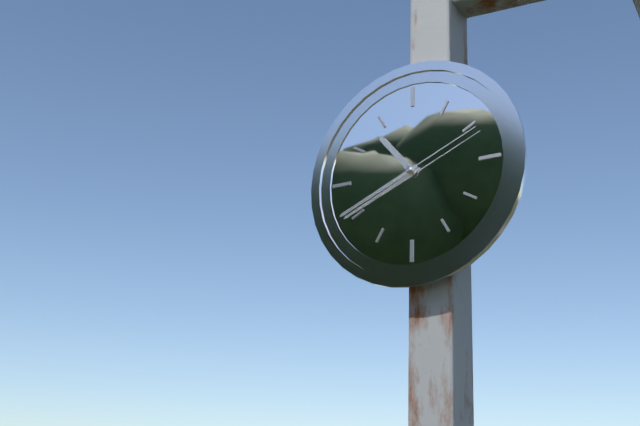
10:41:11
